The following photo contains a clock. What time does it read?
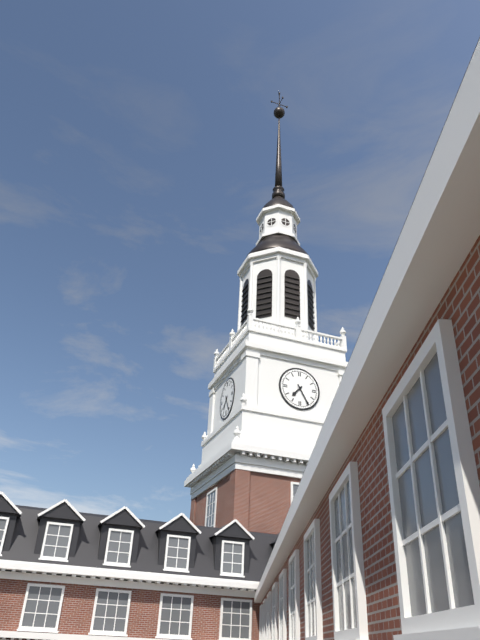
7:25
